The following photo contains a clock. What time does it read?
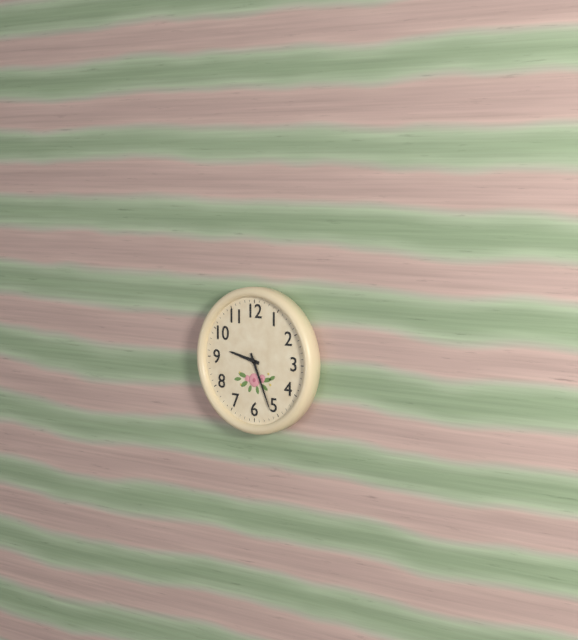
9:26
